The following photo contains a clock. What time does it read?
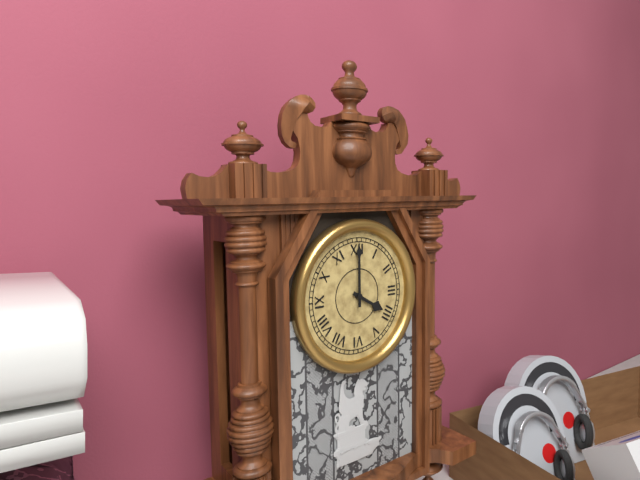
4:00
